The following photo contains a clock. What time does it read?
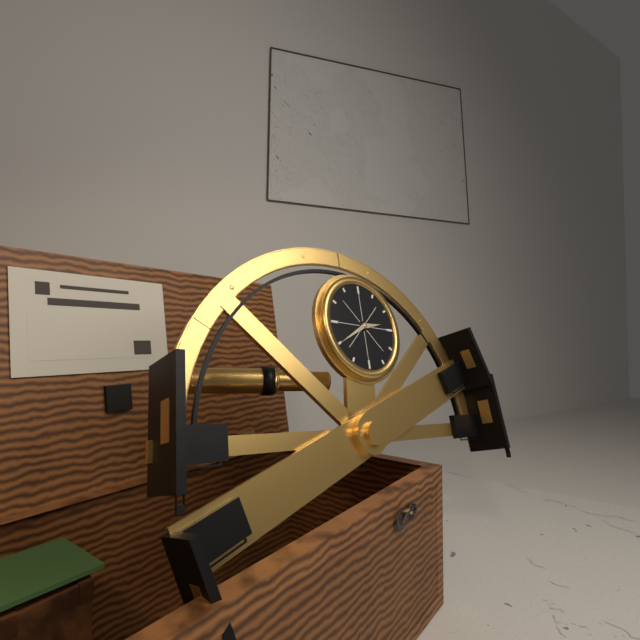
2:40
